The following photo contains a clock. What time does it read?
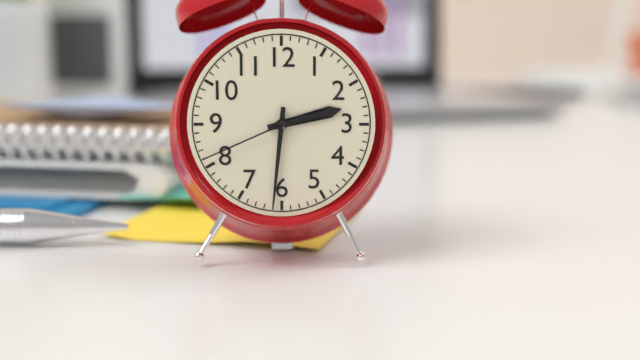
2:31:41
